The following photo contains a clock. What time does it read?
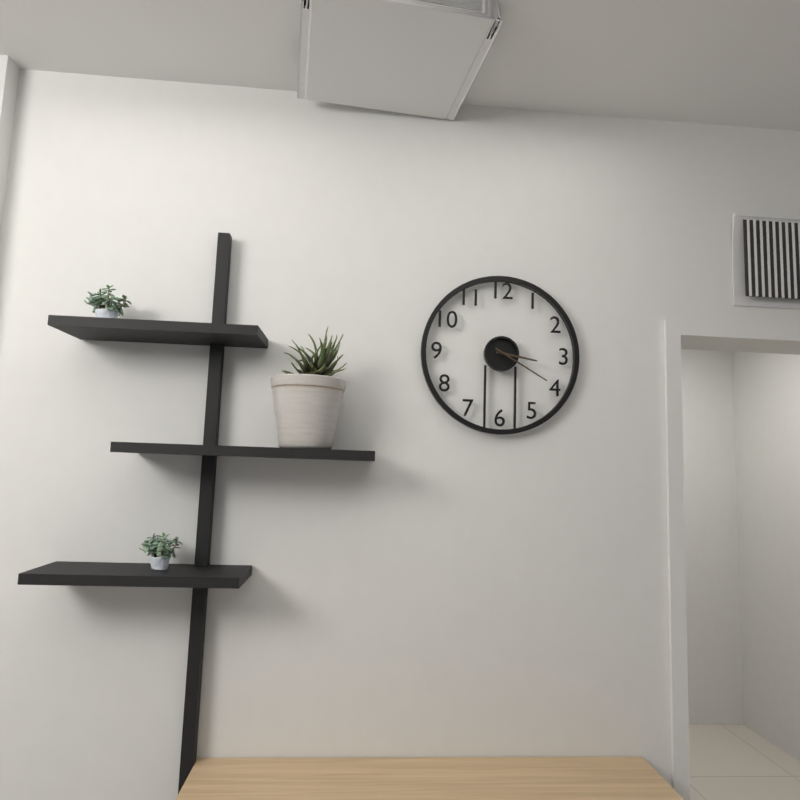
3:20
